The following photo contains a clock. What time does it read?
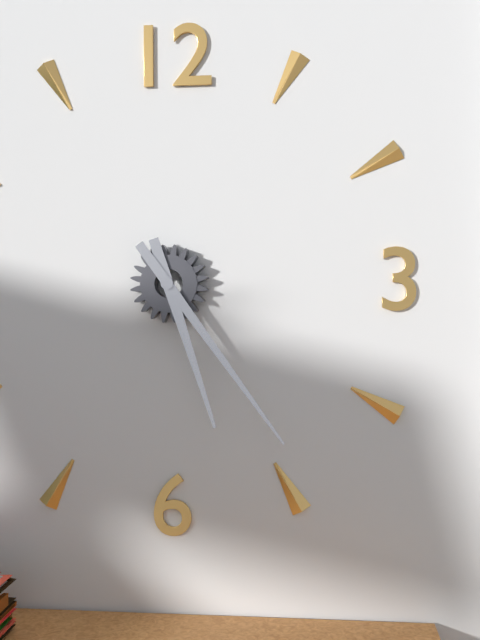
5:24
